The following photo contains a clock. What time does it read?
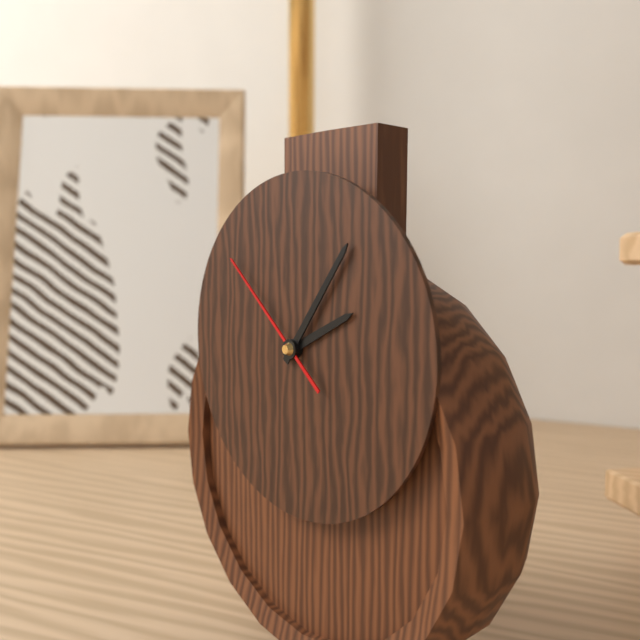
2:06:52
